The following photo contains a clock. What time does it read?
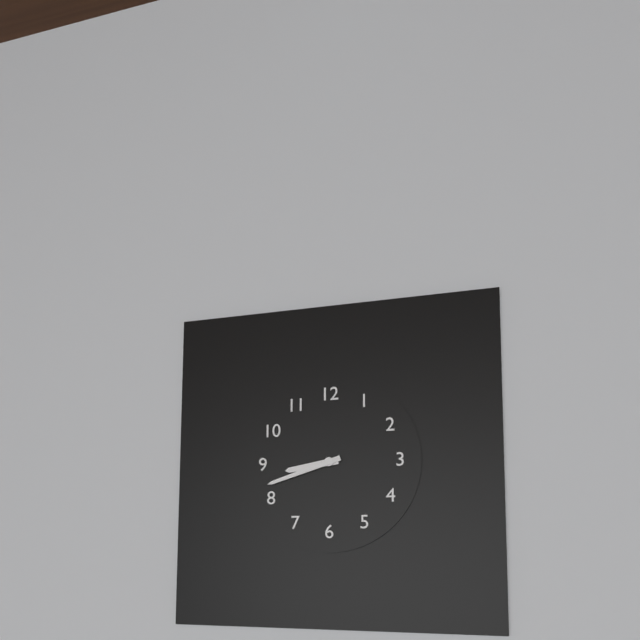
8:42
